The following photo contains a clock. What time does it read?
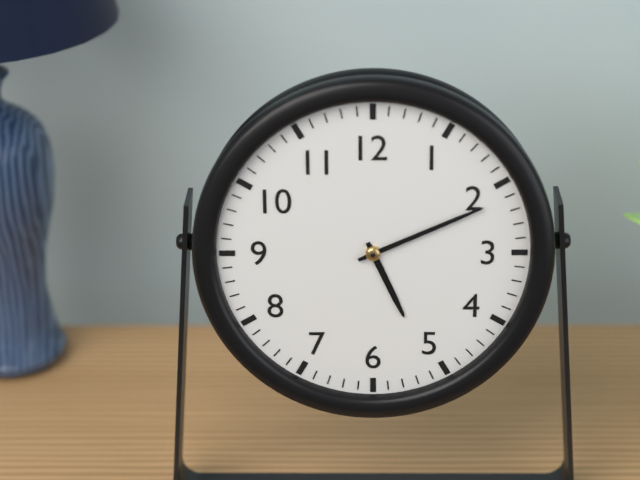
5:11
